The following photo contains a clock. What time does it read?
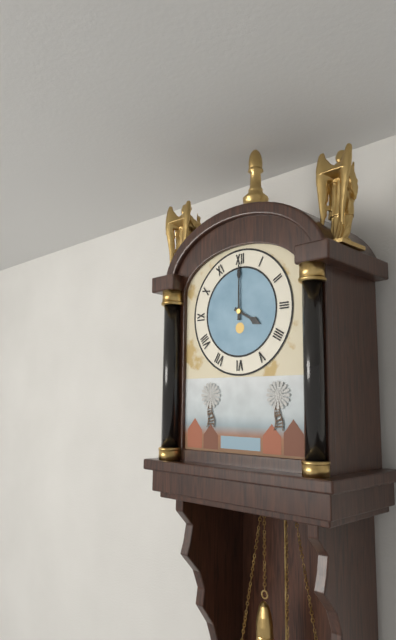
4:00
